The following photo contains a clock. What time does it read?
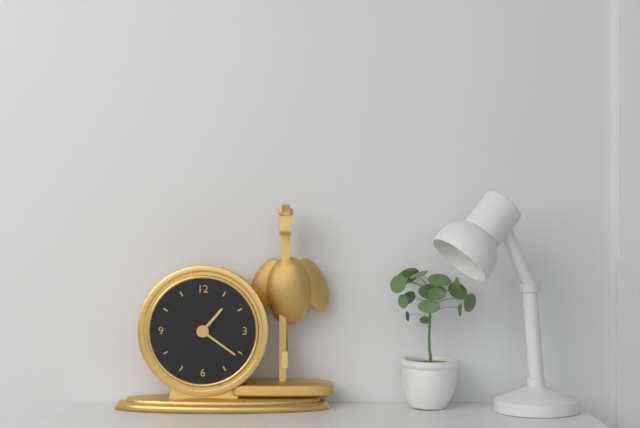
1:21
